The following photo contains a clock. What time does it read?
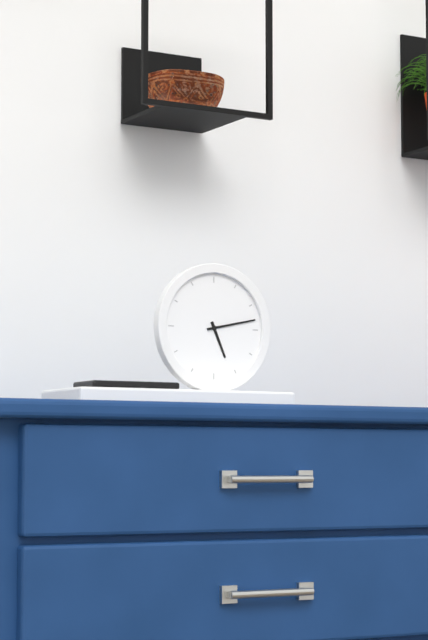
5:13
